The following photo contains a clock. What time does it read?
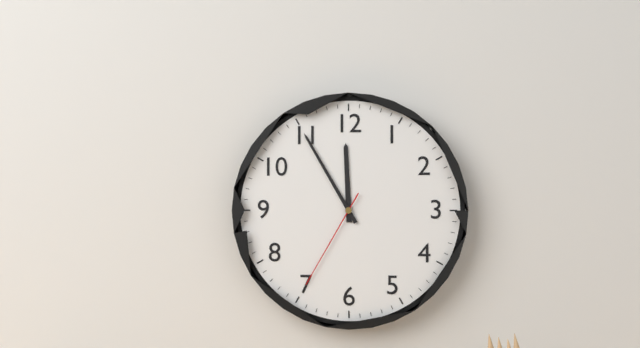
11:55:35
